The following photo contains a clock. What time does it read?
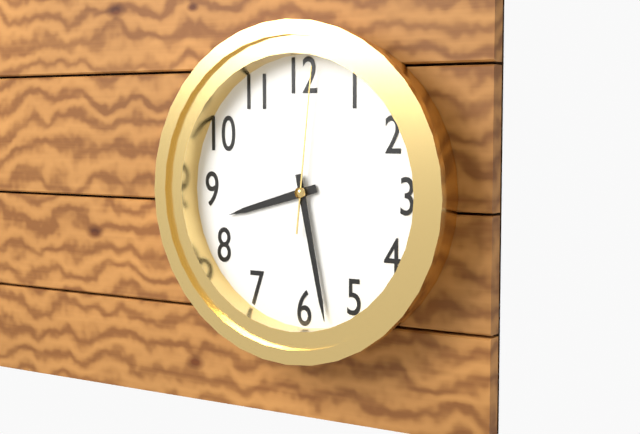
8:28:01
